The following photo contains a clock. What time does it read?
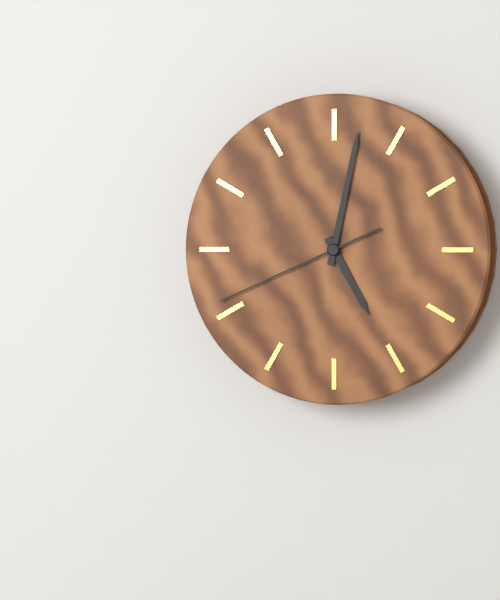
5:02:41
